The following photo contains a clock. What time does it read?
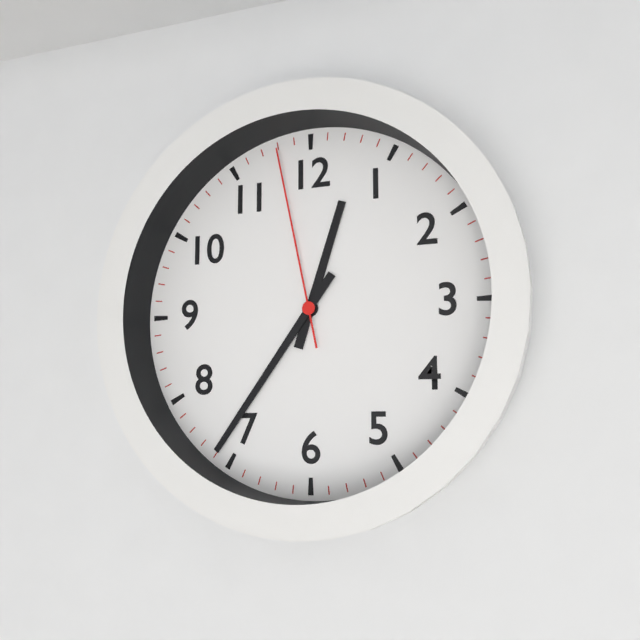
12:36:58
